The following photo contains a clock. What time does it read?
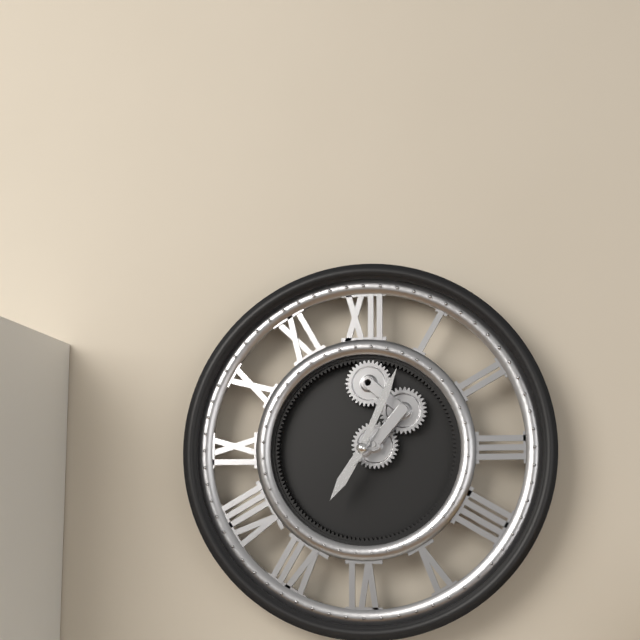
7:04
